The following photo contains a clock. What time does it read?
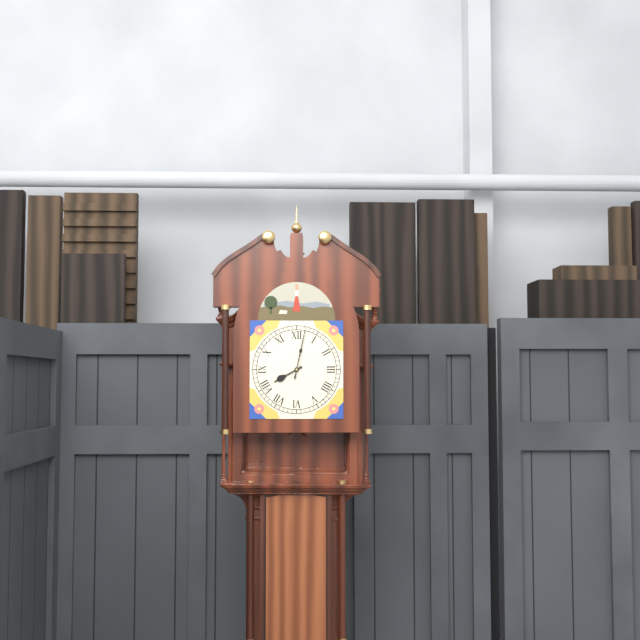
8:02
